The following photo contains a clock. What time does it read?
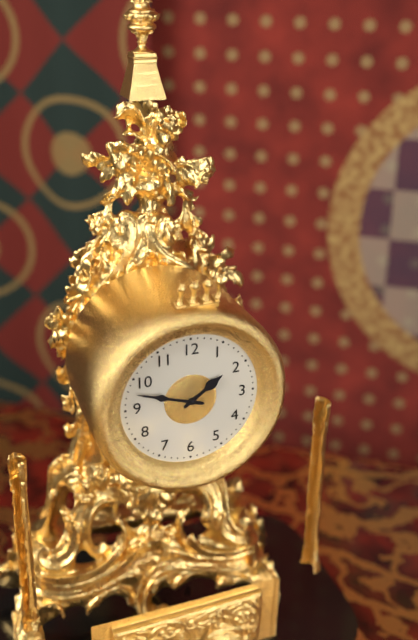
1:48
